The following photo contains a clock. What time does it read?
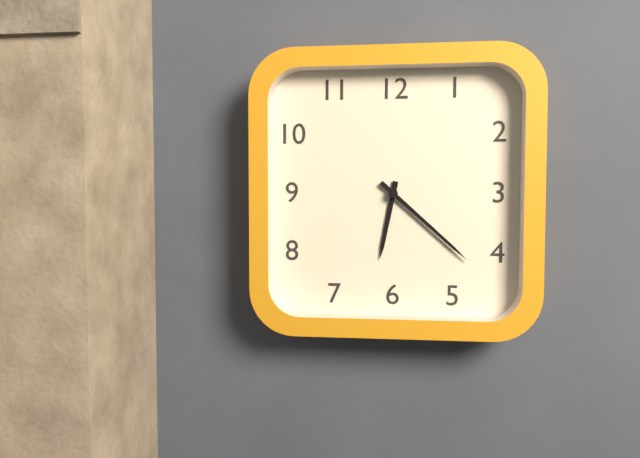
6:22
